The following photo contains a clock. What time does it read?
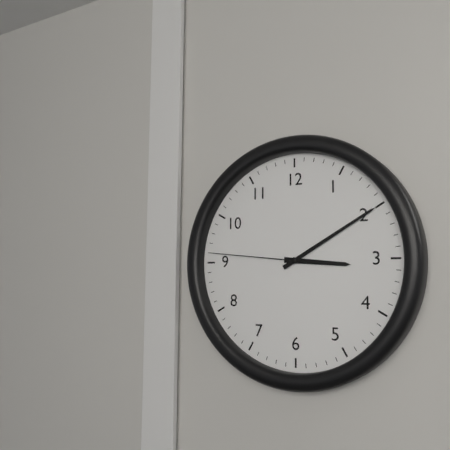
3:10:46
